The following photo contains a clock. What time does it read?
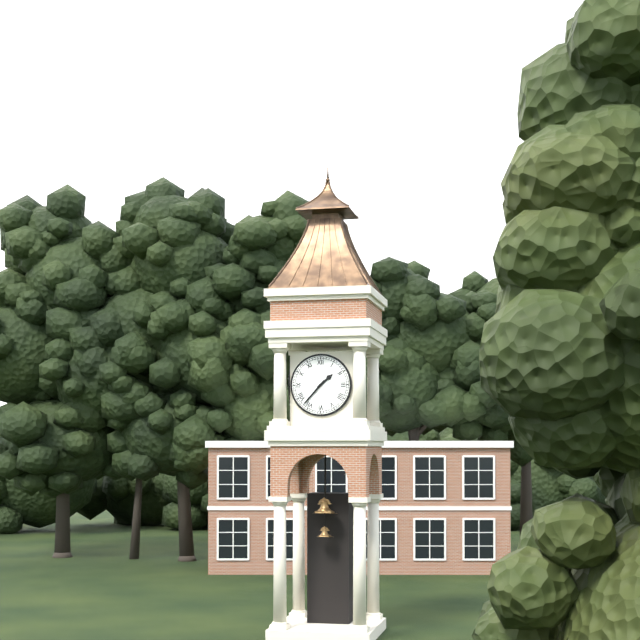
1:37
